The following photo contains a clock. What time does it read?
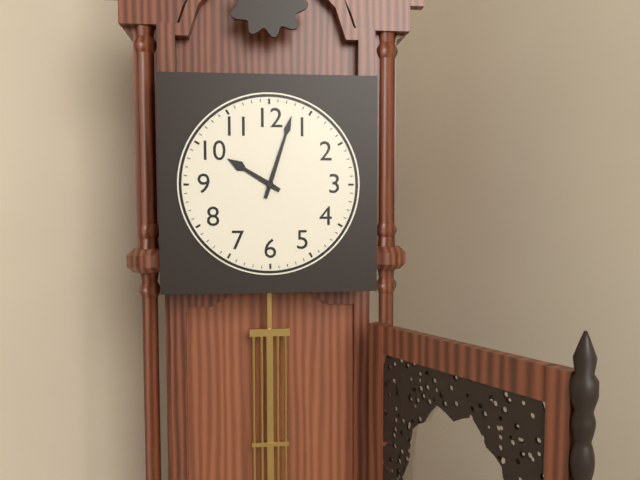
10:03
